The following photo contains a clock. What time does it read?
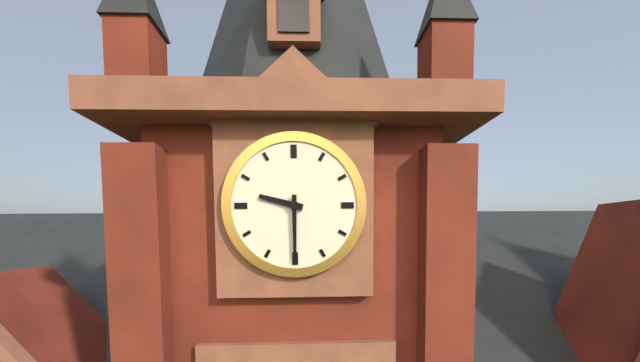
9:30
